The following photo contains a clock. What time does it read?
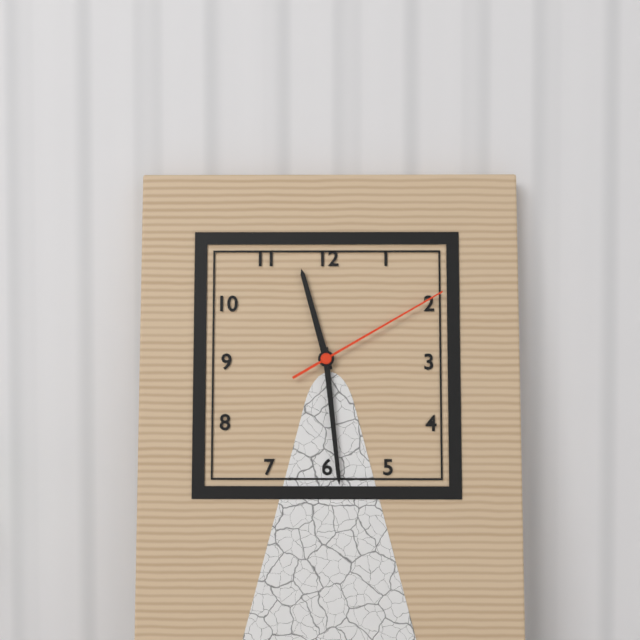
11:29:10
